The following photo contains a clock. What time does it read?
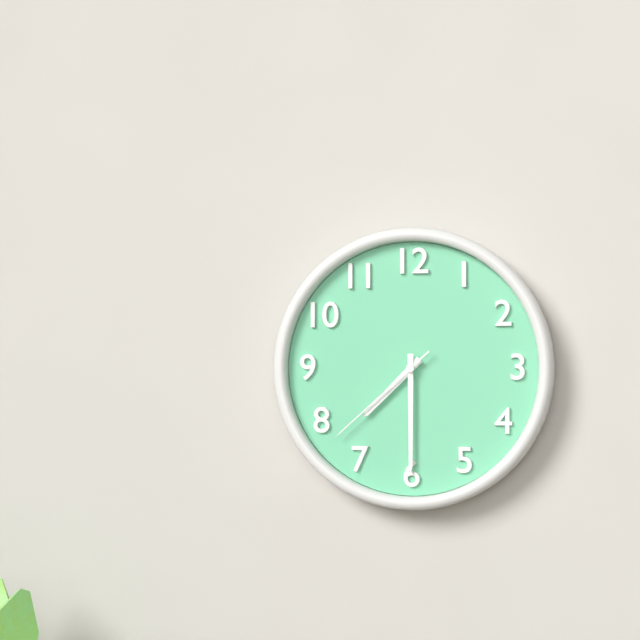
7:30:38
